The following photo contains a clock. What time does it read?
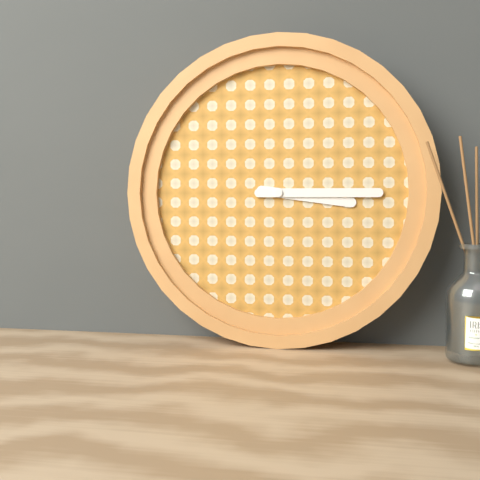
3:15
